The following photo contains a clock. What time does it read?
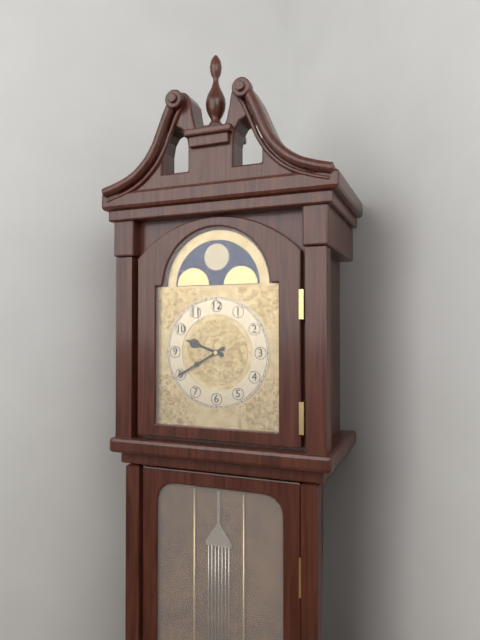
9:40
